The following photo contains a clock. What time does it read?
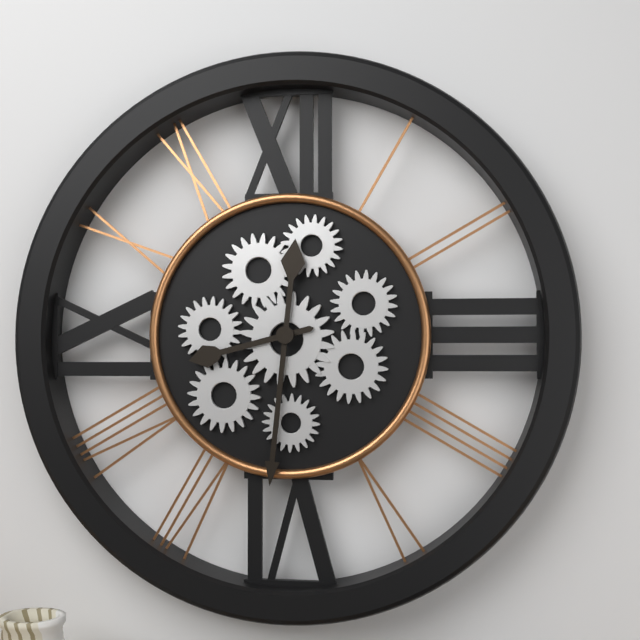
8:31
